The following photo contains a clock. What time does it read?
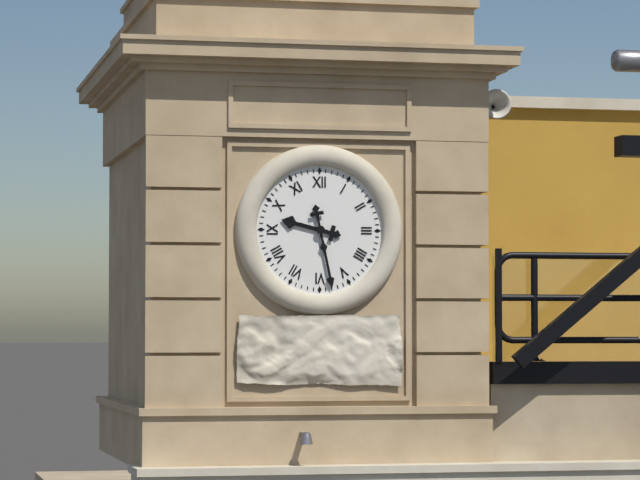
9:28
